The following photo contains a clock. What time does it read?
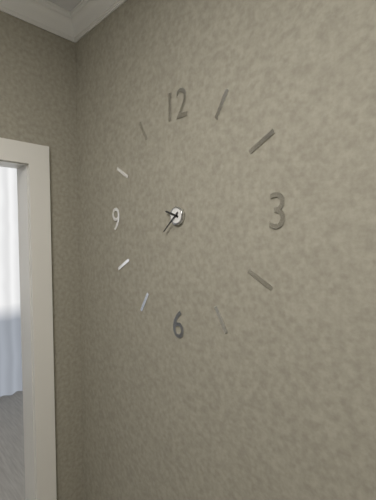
9:38
